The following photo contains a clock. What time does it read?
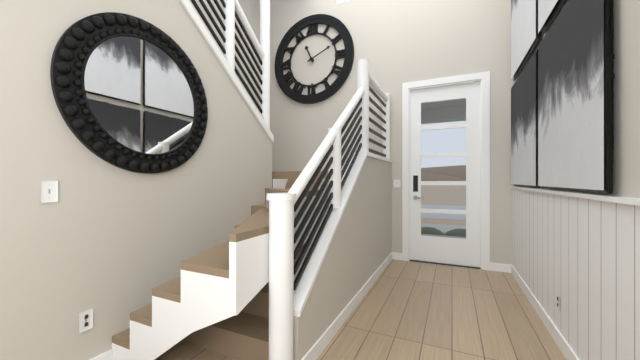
11:11
